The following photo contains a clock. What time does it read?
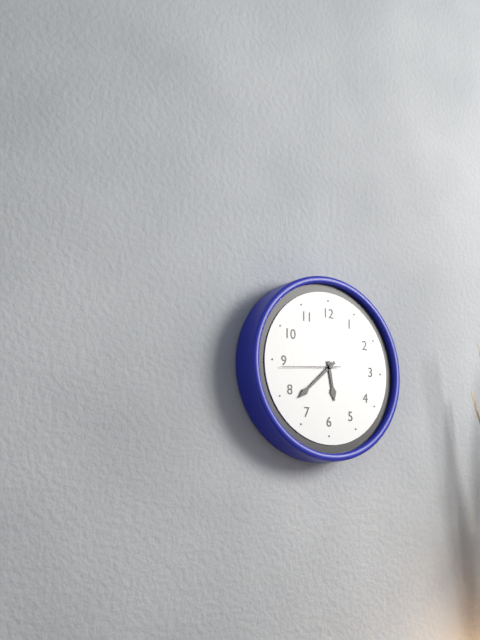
5:38:44
